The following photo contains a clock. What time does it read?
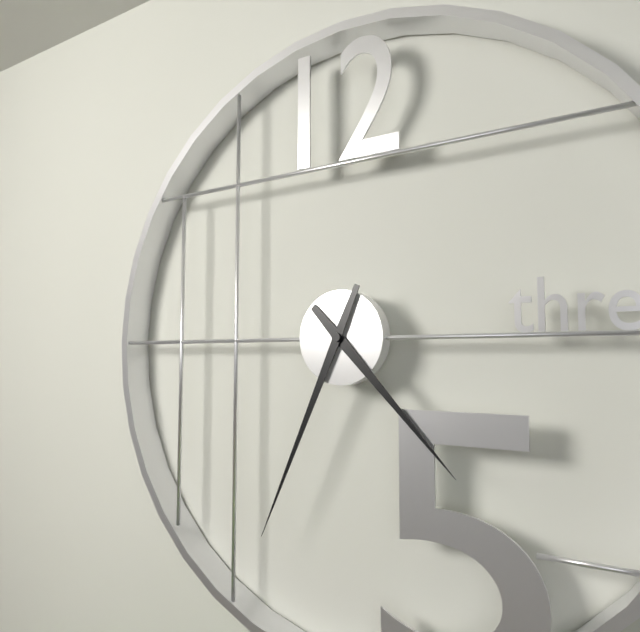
4:34
